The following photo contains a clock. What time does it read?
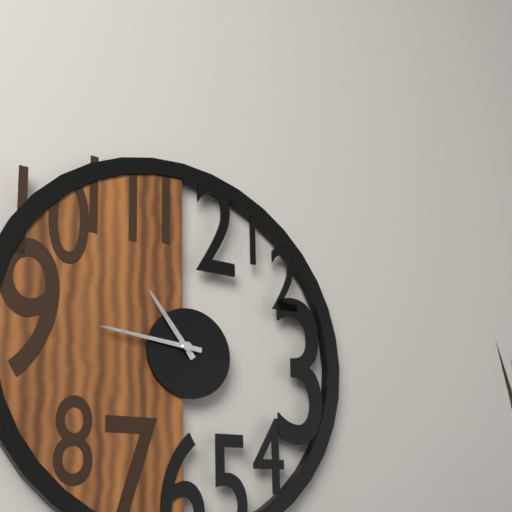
10:46
